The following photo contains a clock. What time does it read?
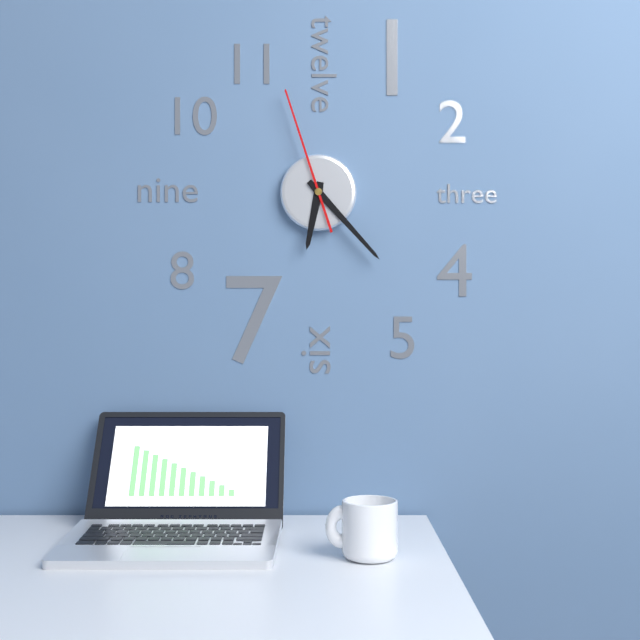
6:23:57
